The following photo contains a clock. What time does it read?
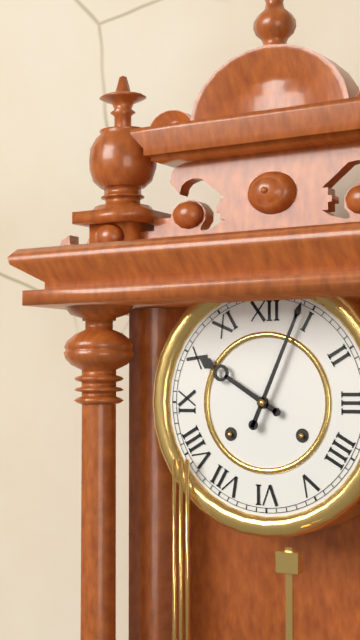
10:04
